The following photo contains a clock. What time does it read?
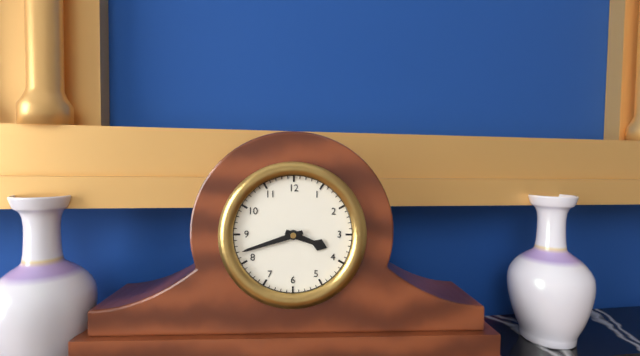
3:42
